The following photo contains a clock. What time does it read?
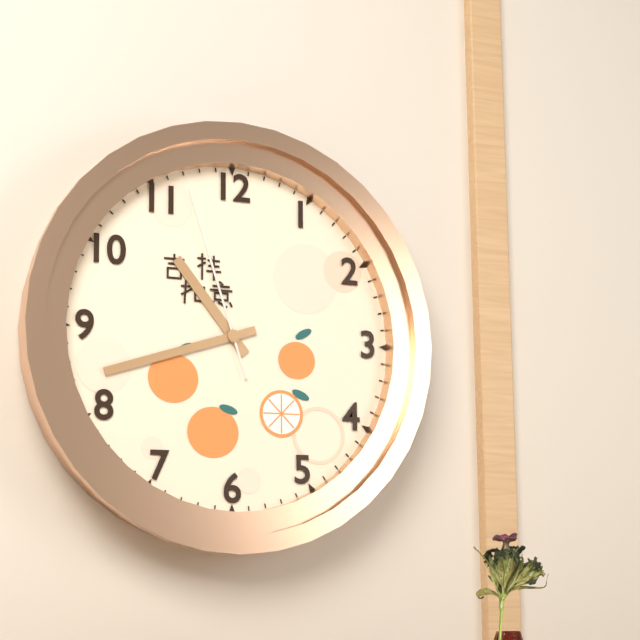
10:42:57
